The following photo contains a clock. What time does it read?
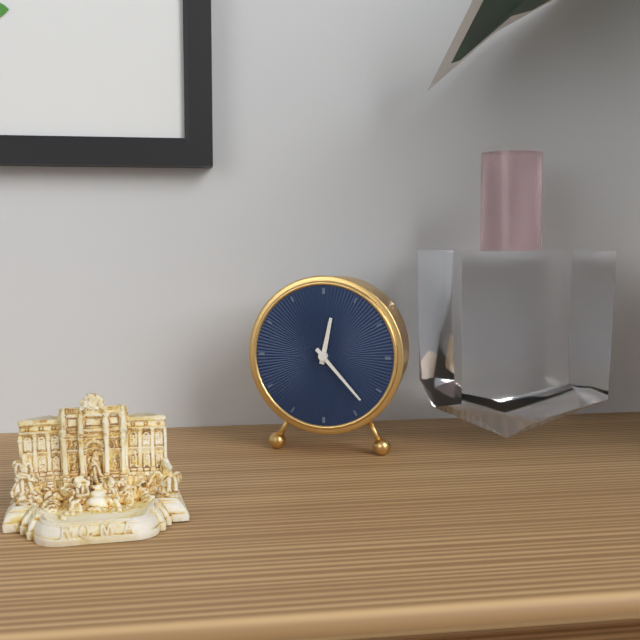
12:23
